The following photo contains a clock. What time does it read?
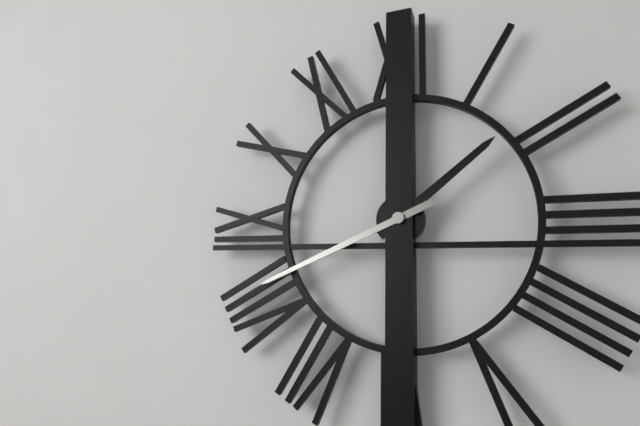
1:41
